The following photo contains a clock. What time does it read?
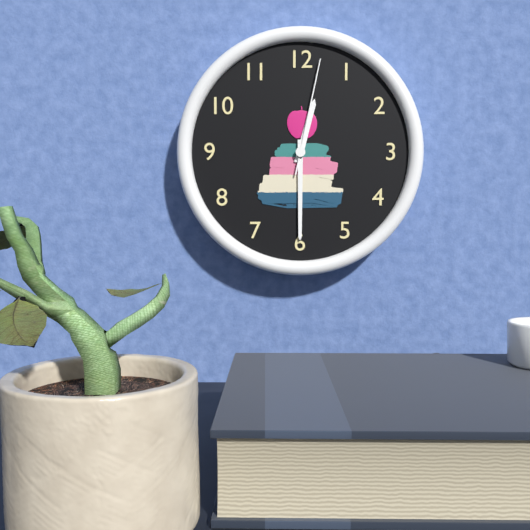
12:30:02
